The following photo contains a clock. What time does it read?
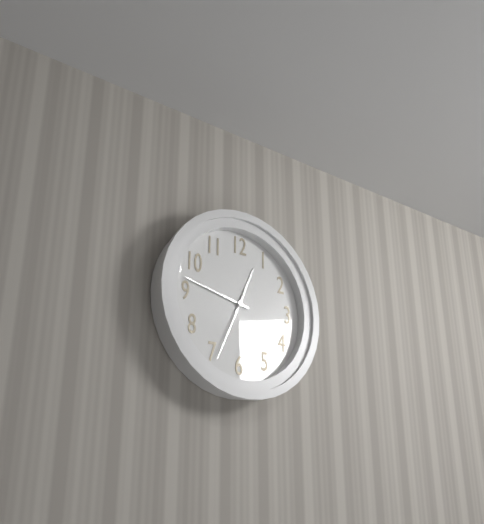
12:47:34
